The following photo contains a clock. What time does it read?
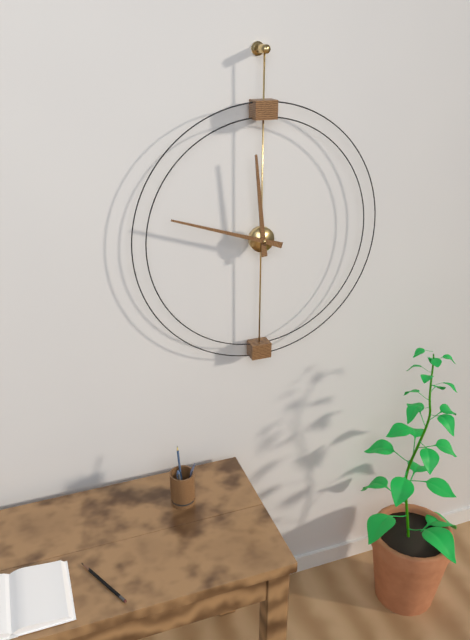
11:48
